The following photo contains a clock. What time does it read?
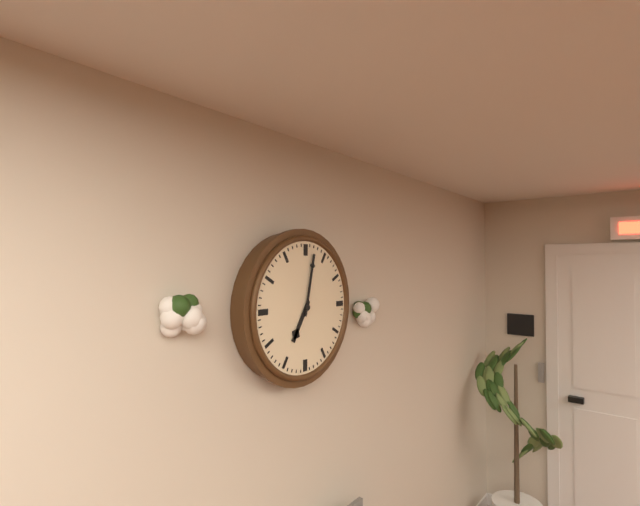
7:02
